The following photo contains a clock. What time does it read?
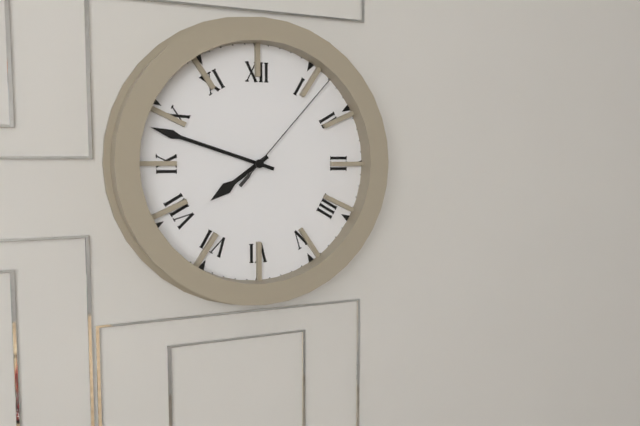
7:48:07
